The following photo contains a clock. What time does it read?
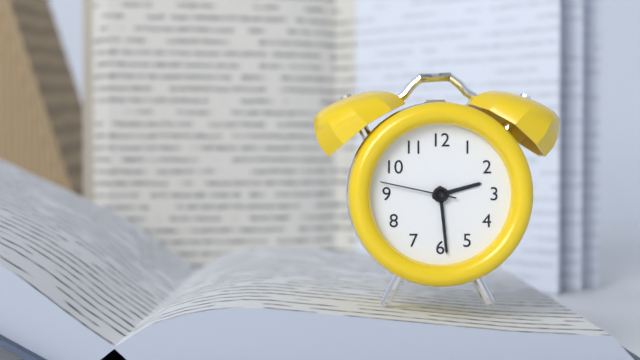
2:29:47
